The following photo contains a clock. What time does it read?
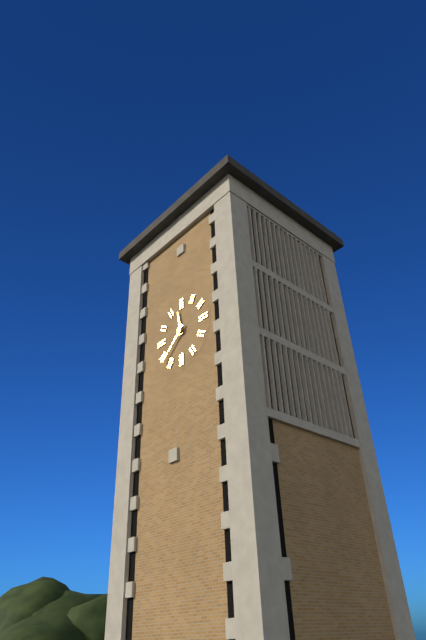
11:38
